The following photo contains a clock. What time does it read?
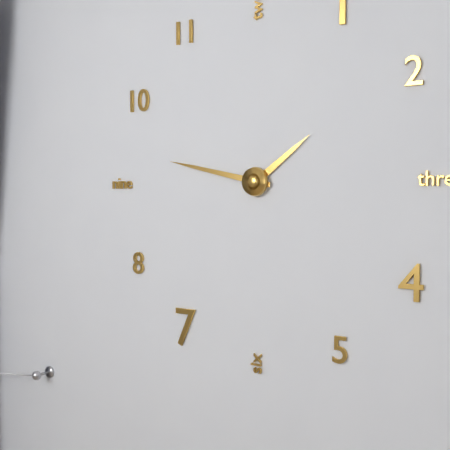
1:47
